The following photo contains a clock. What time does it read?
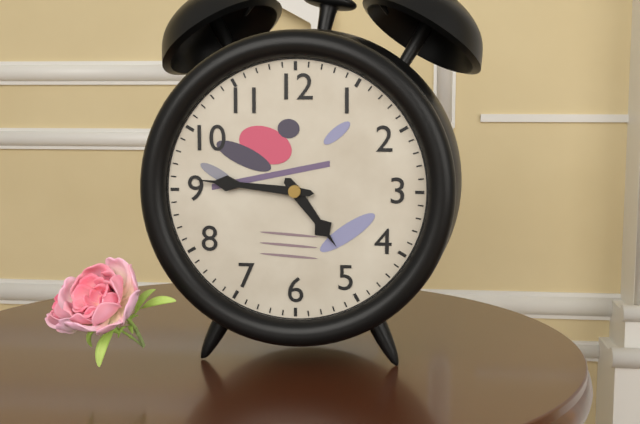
4:46
